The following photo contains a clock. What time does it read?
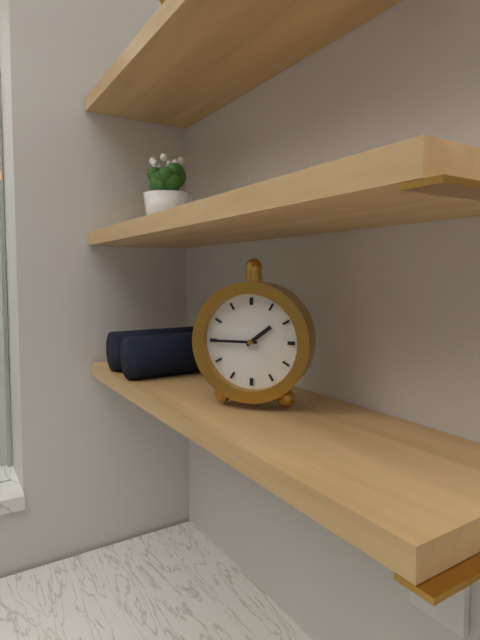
1:45
